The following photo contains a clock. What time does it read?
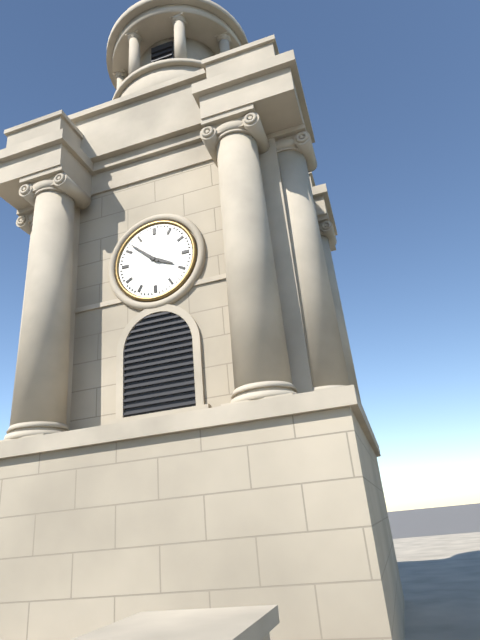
3:52
